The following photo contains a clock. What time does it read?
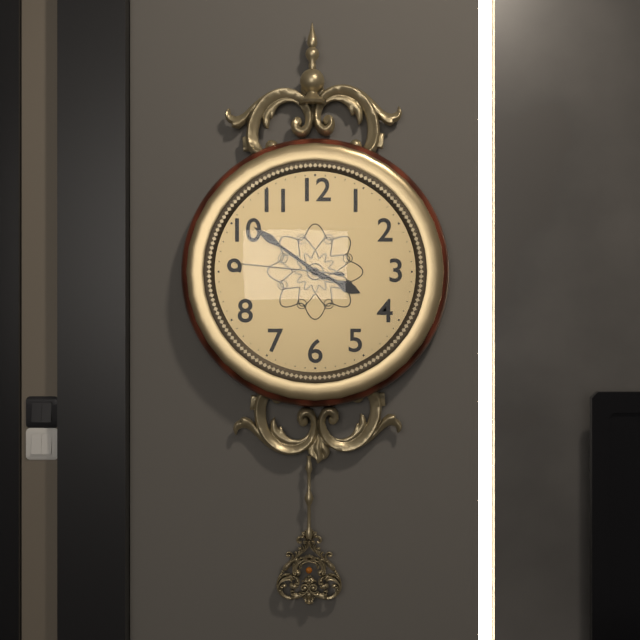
3:51:46
